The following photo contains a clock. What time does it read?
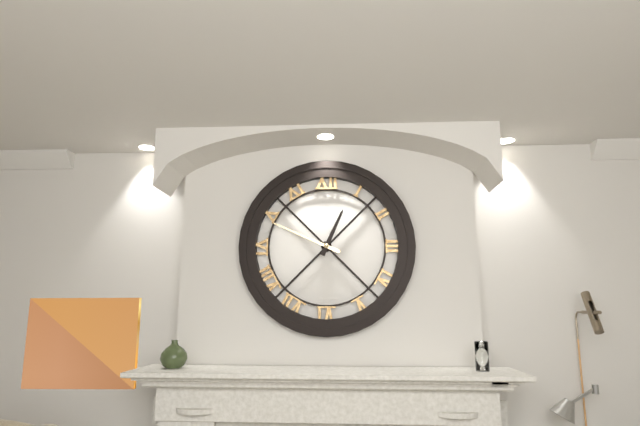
12:49
